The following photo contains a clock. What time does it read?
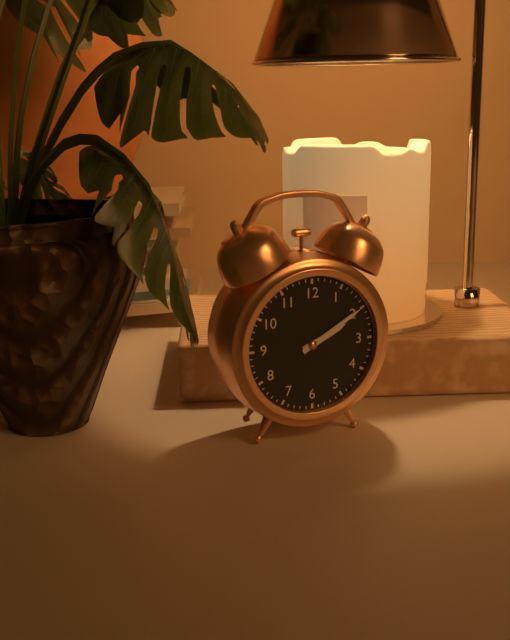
2:10
